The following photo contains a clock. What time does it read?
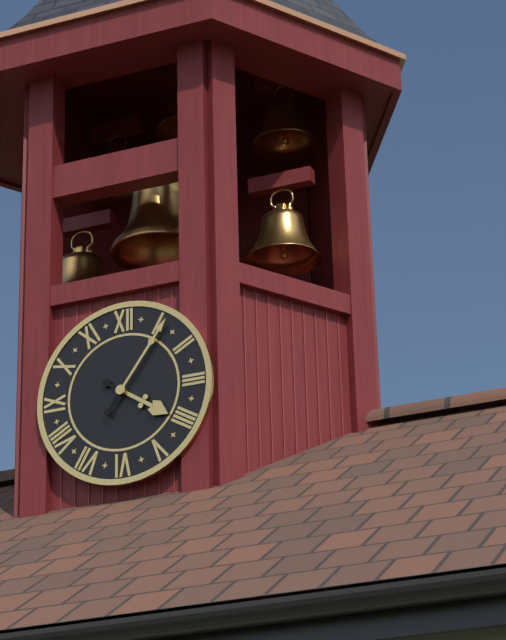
4:06
